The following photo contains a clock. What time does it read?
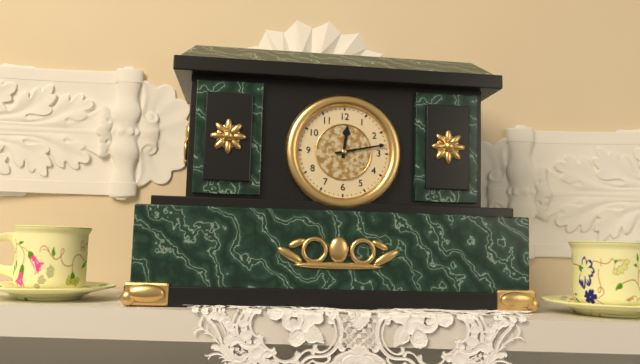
12:13
